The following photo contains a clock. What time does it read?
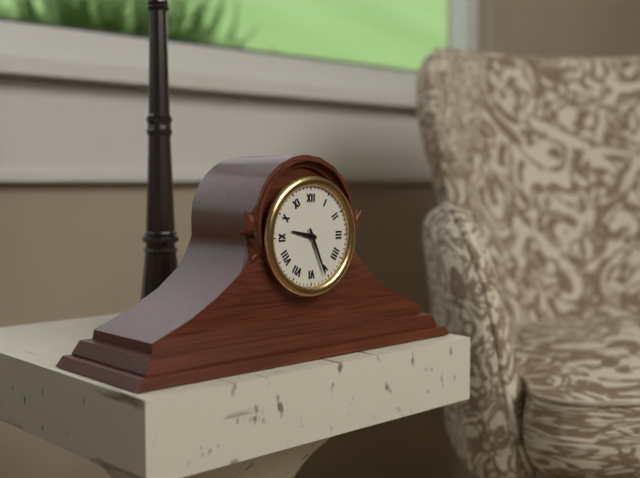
9:26
